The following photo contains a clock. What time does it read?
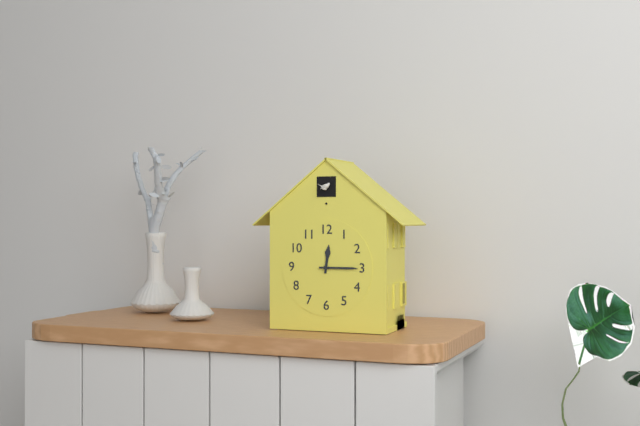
12:15
